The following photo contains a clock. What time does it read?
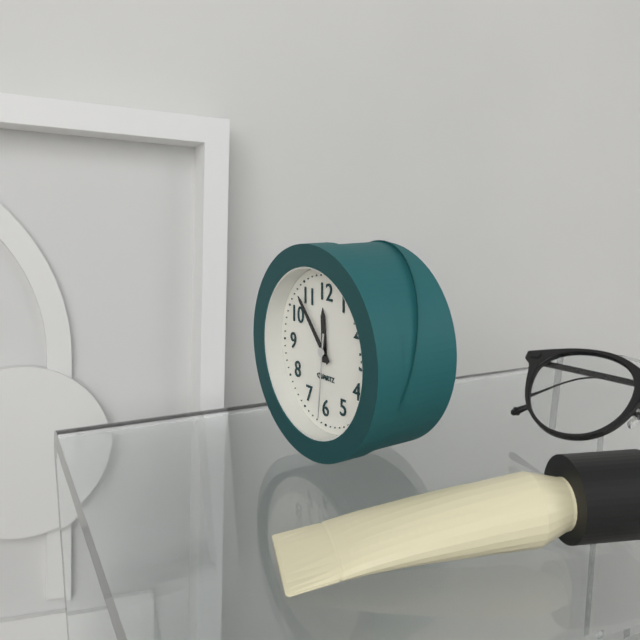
11:53:31
